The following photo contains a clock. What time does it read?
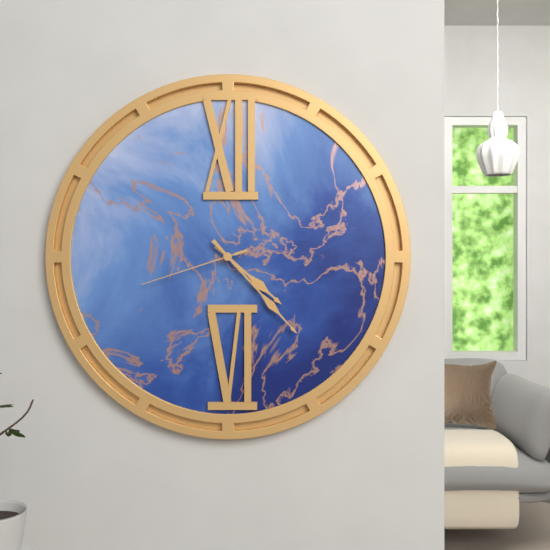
4:23:42
